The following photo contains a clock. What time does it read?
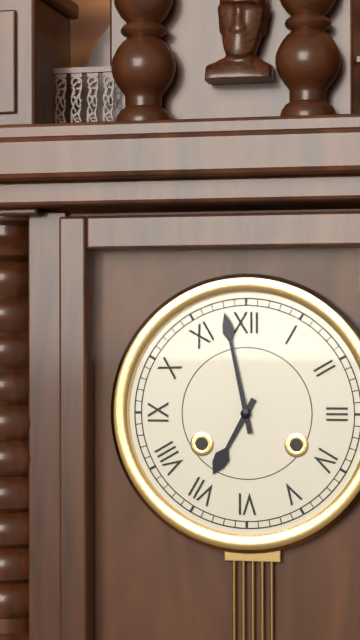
6:58
